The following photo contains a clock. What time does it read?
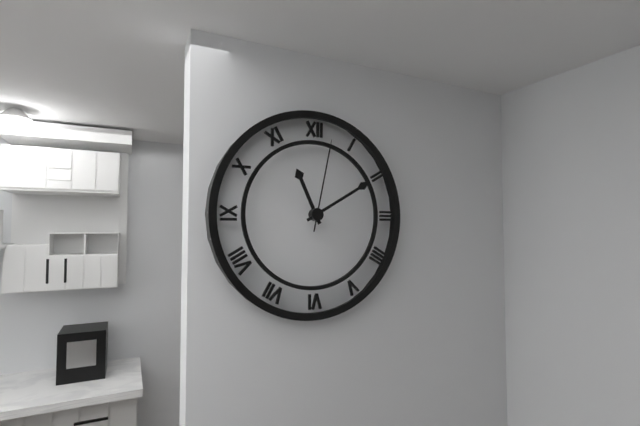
11:10:02
